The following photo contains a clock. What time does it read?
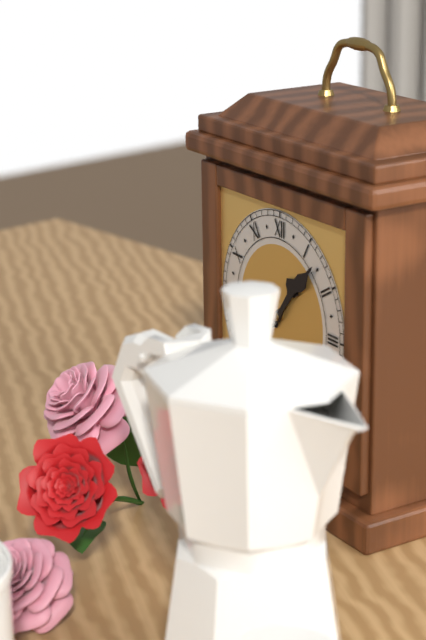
1:07
